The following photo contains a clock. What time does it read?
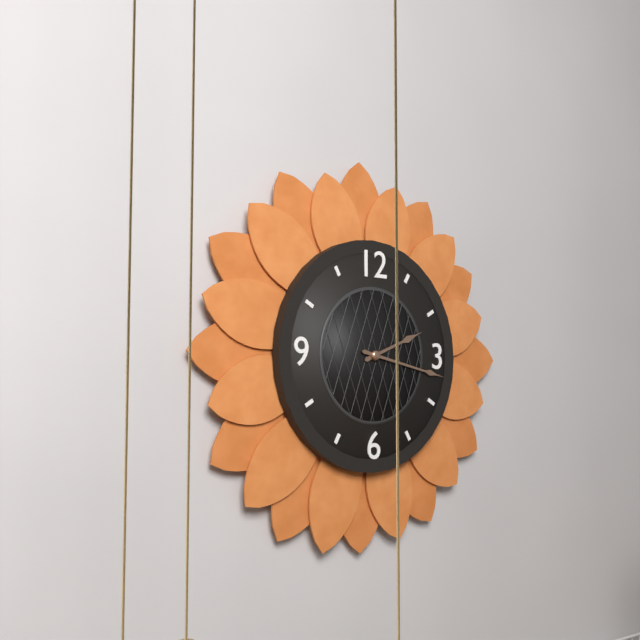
2:17
